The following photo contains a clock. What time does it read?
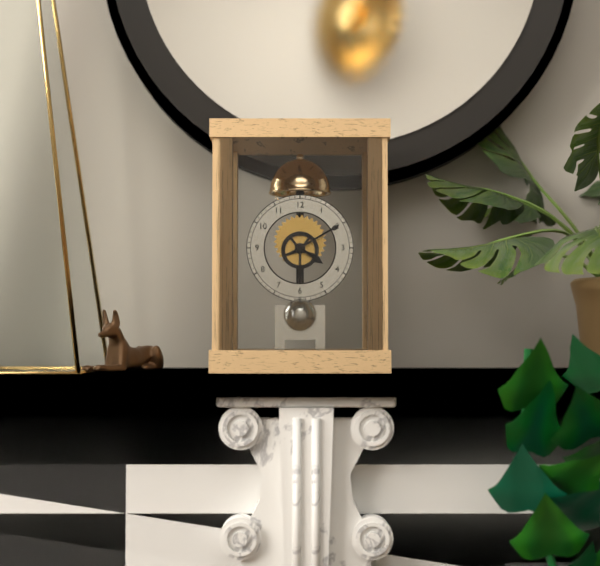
4:10
